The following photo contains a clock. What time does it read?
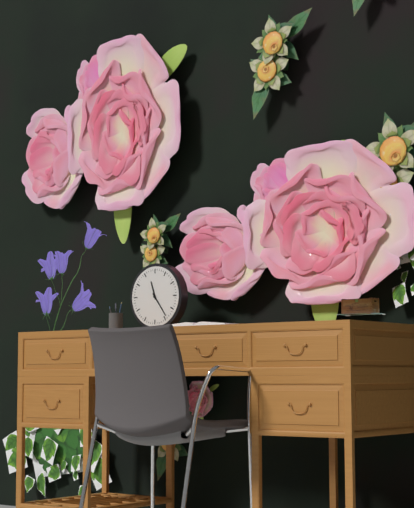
11:24
